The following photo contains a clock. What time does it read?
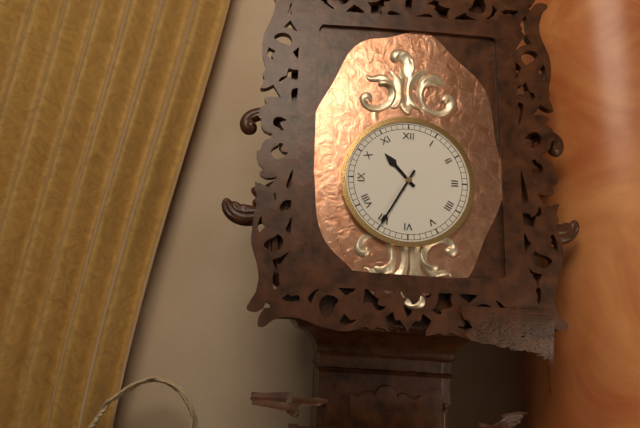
10:35
